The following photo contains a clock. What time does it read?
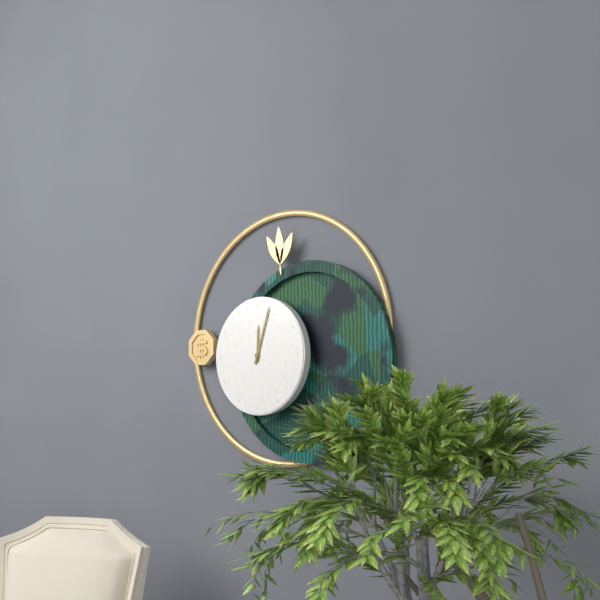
12:03
